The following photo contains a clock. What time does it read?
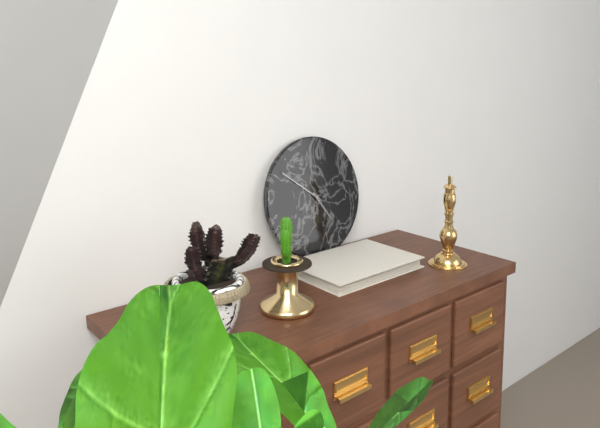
4:51
